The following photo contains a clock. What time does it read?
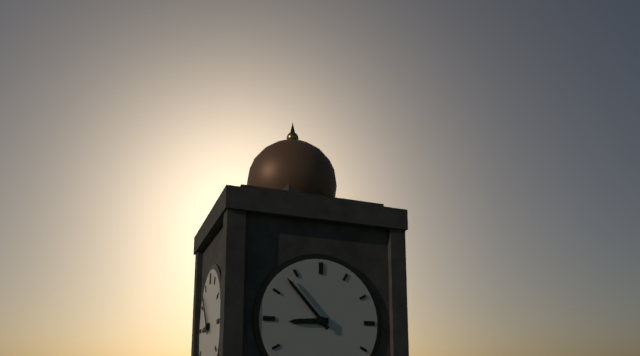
8:53
